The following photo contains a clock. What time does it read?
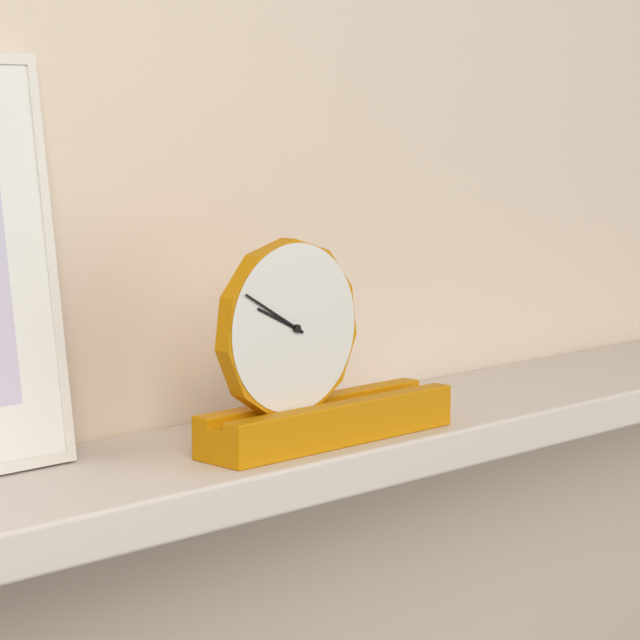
9:50
